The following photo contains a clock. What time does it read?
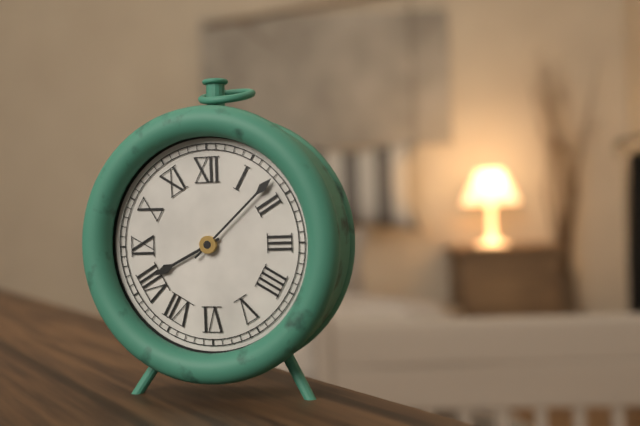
8:08
